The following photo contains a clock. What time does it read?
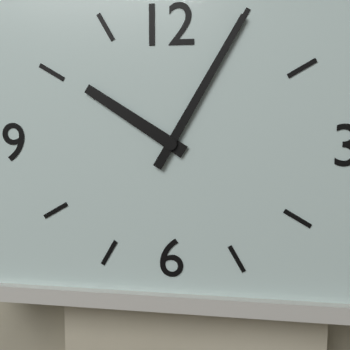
10:05
